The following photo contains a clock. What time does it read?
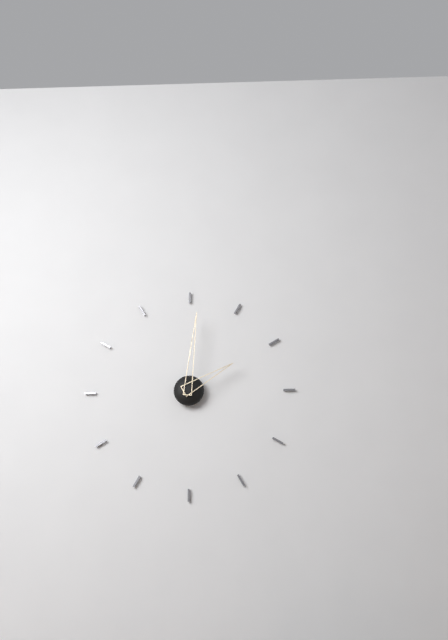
2:01
